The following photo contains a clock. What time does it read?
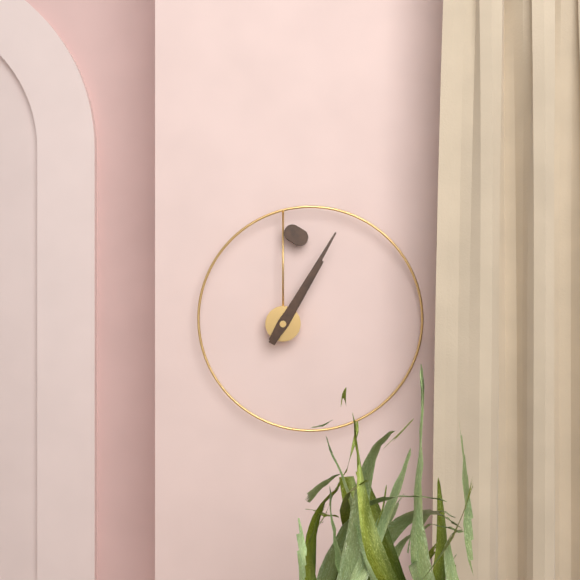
1:05
